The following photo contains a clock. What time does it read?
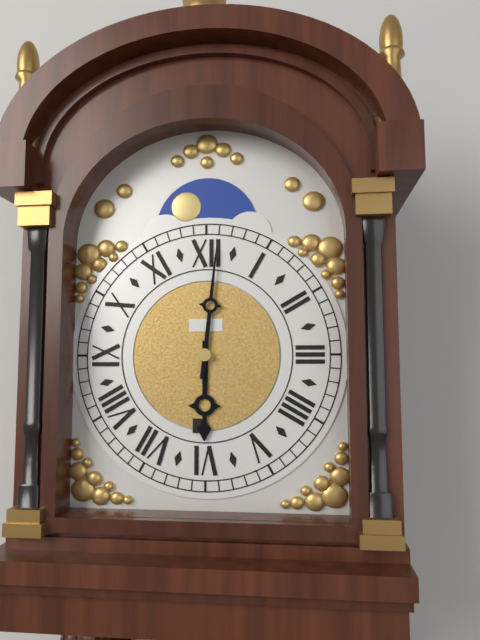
6:01
